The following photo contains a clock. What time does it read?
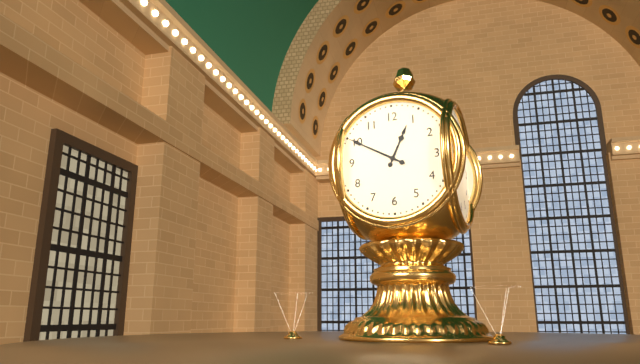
12:50
